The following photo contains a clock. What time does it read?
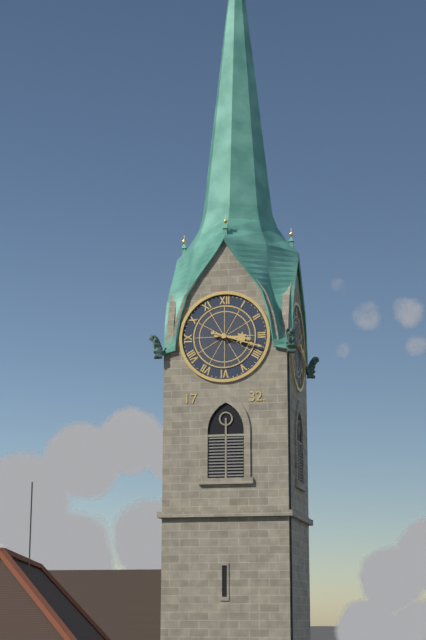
3:18
